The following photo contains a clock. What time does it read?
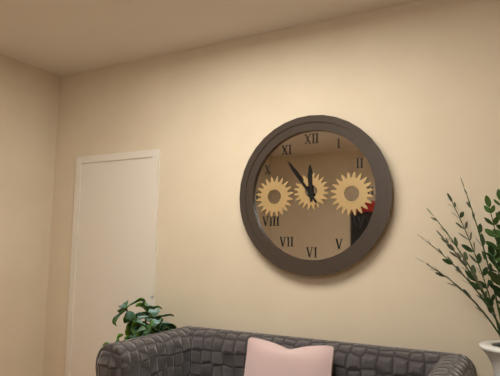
11:54
